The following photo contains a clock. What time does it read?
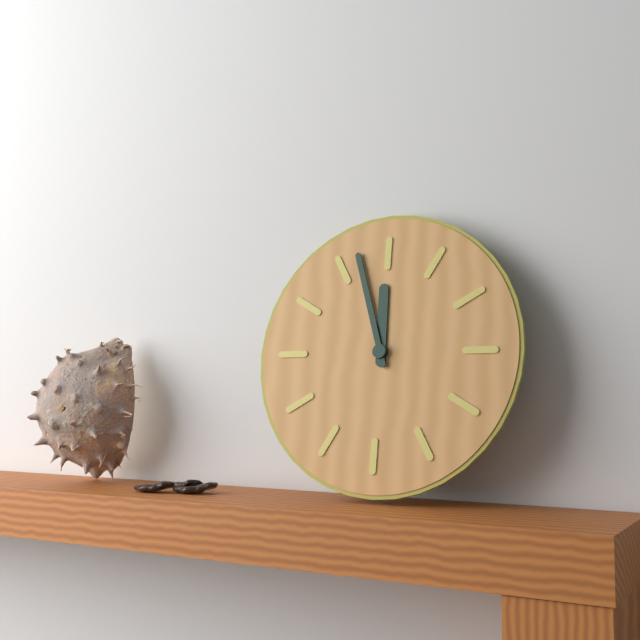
11:57
